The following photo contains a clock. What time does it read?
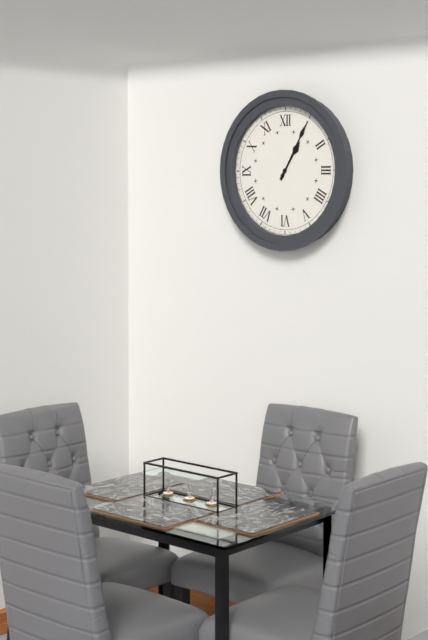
1:05
